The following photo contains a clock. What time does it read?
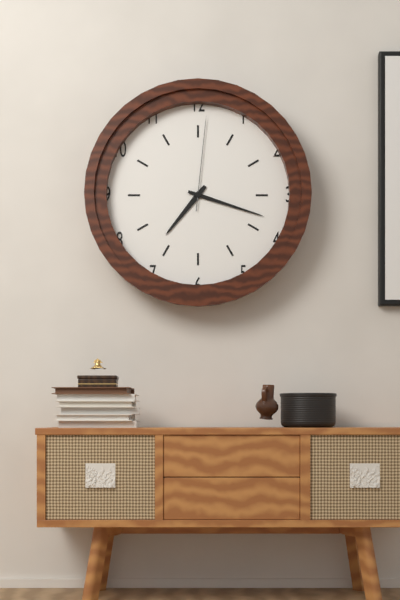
7:18:01
